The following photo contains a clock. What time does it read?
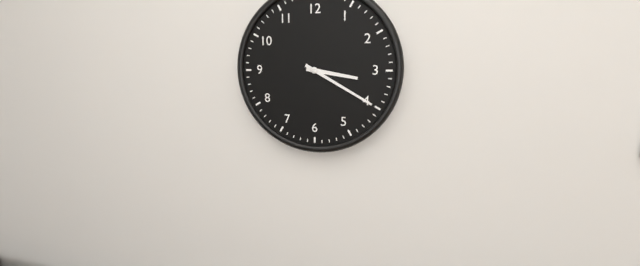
3:20
